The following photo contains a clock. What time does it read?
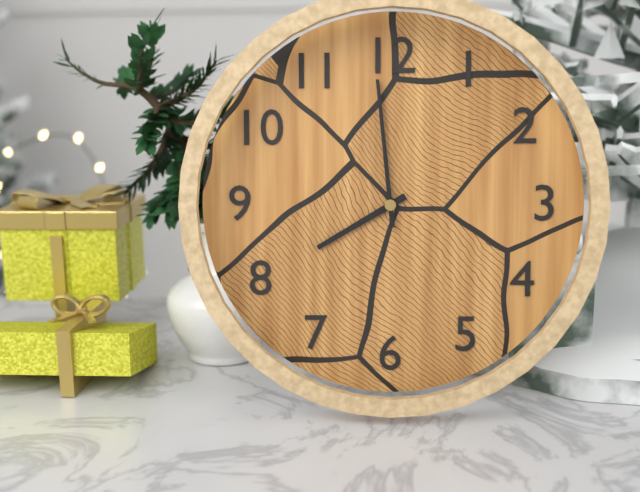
7:59
